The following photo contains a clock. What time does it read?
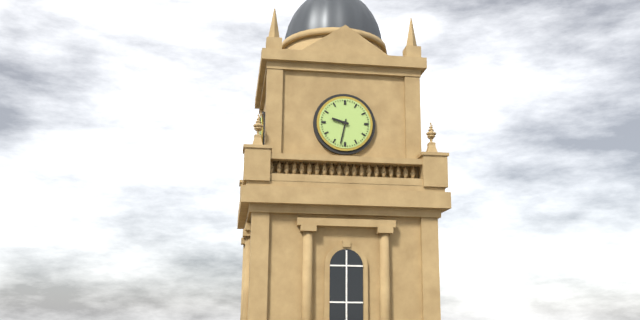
9:32
